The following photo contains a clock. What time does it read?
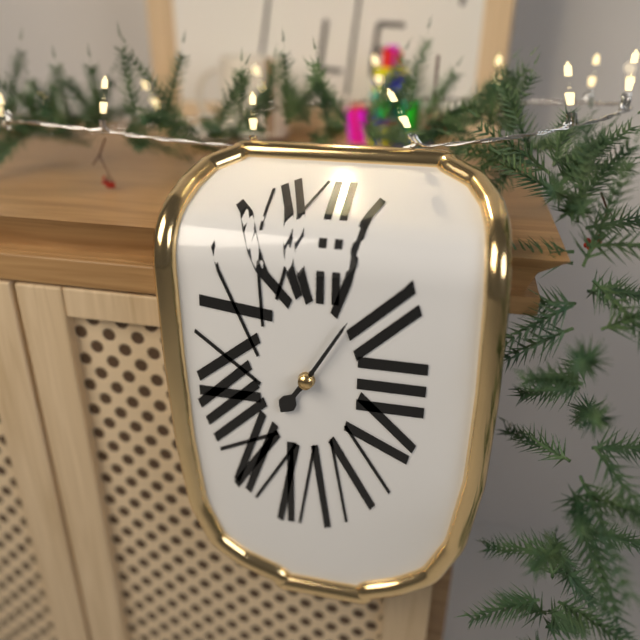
7:05
